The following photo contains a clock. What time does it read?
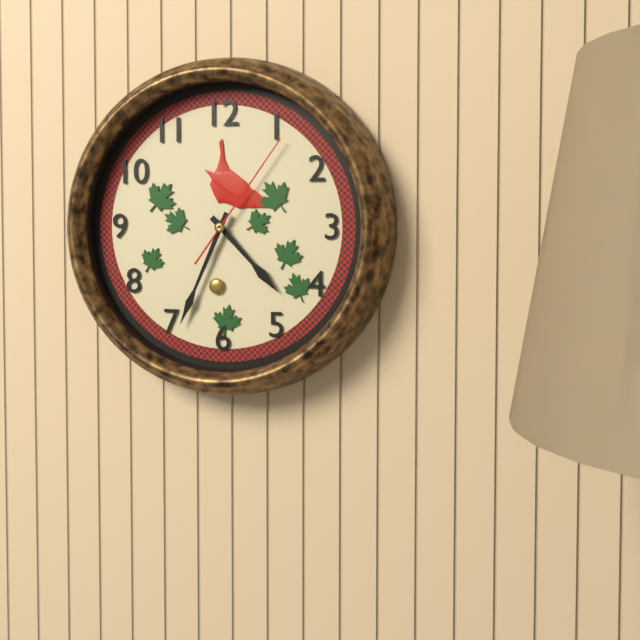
4:34:06
